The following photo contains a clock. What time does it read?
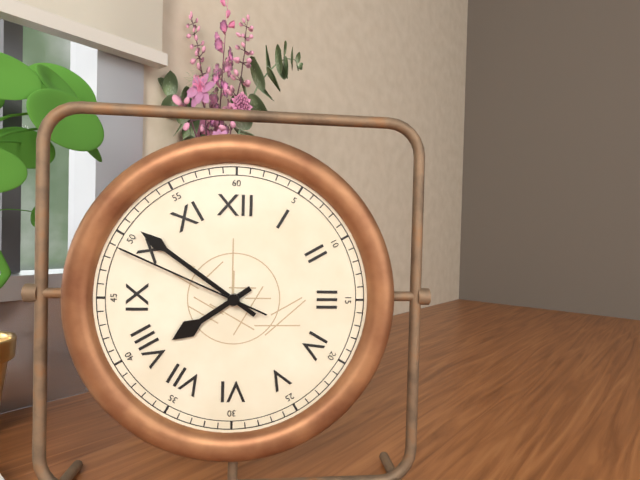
7:51:49
